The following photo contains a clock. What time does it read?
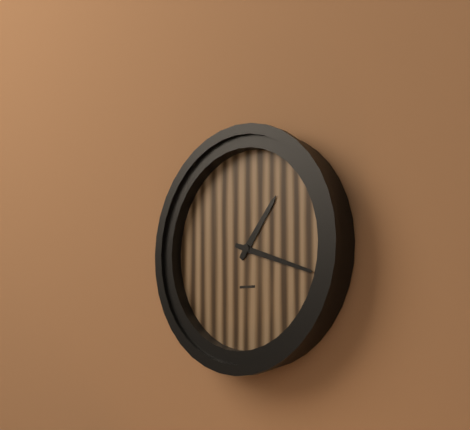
1:18
